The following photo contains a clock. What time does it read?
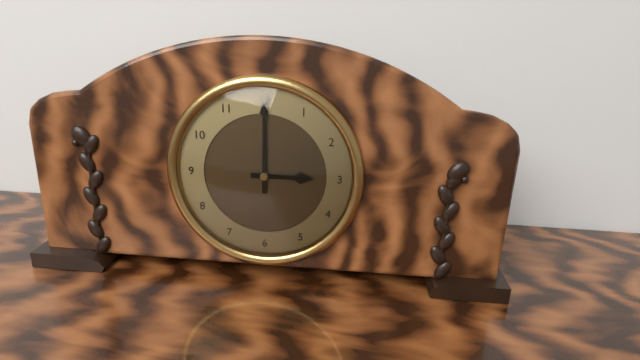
3:00
